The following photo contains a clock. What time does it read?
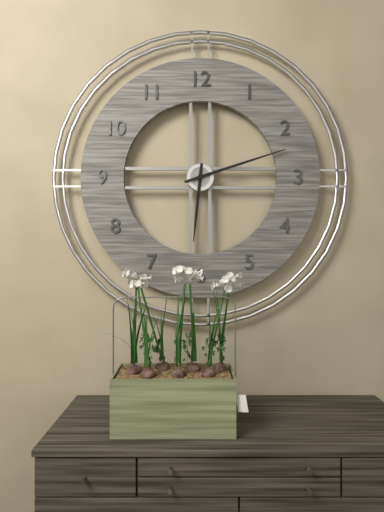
6:12
